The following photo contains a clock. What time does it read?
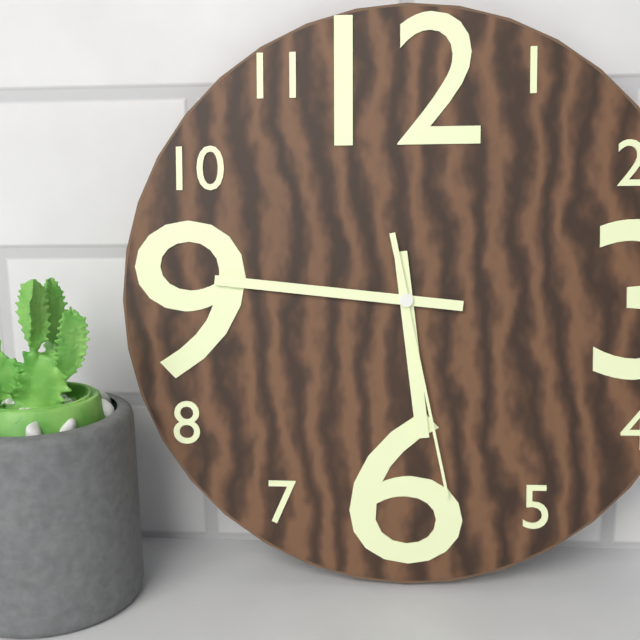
5:46:28
